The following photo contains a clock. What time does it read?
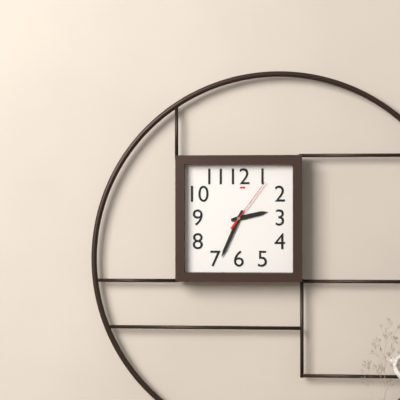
2:34:06
